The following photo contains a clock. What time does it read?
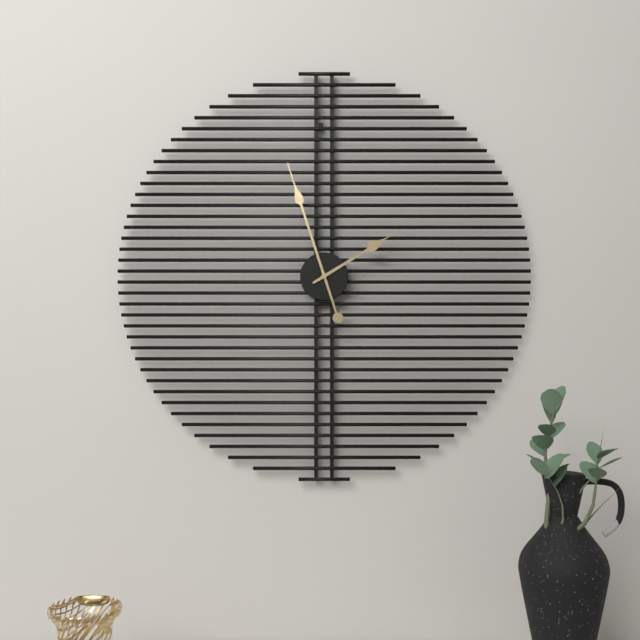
1:57
